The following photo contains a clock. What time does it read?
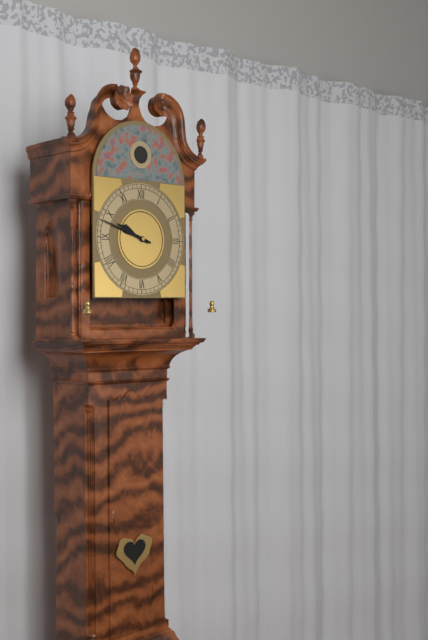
9:48
